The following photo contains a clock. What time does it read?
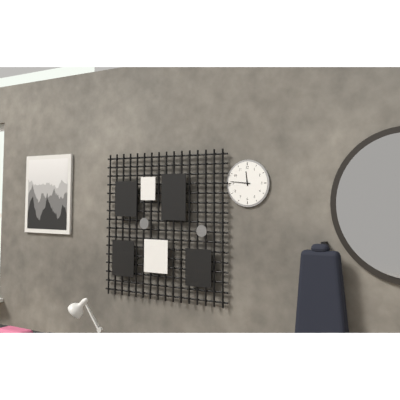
11:46
